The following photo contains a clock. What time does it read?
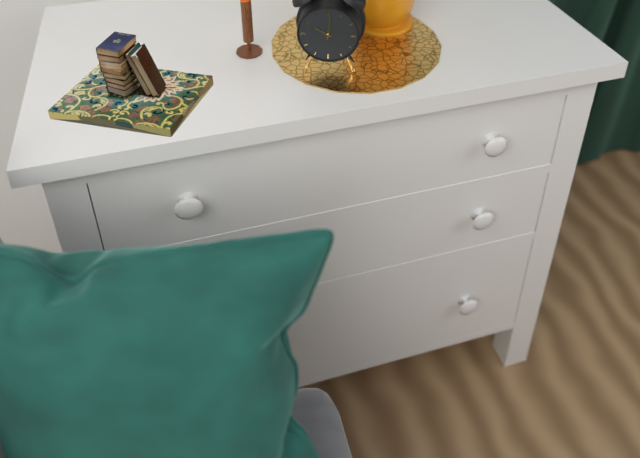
10:01
